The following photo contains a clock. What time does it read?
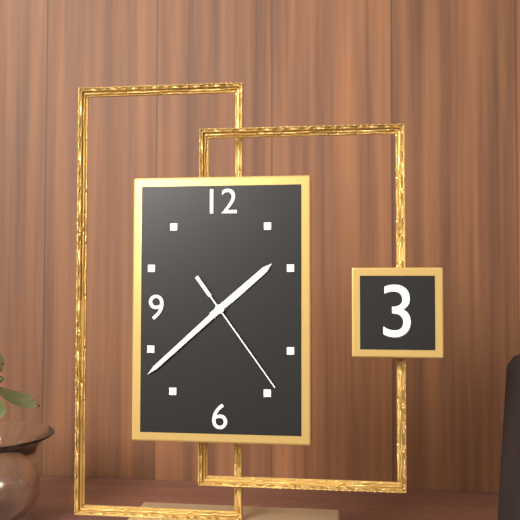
1:38:24
